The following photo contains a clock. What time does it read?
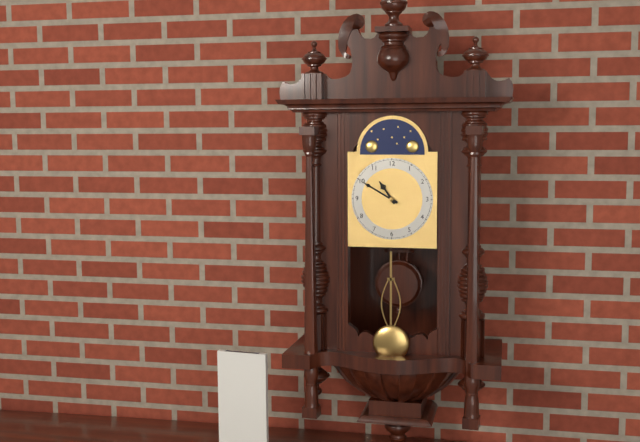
10:50
